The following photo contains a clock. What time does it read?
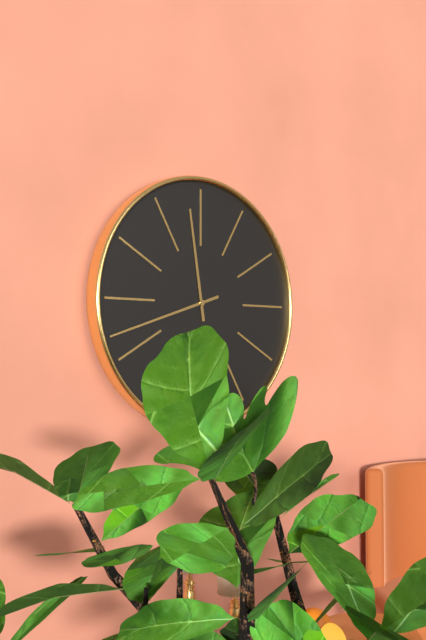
11:42
